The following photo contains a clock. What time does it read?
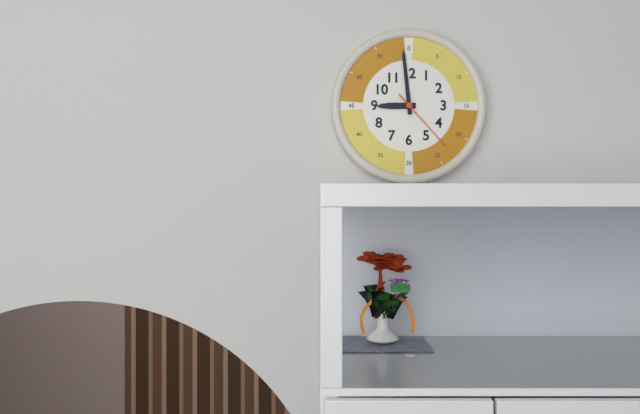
8:59:23
